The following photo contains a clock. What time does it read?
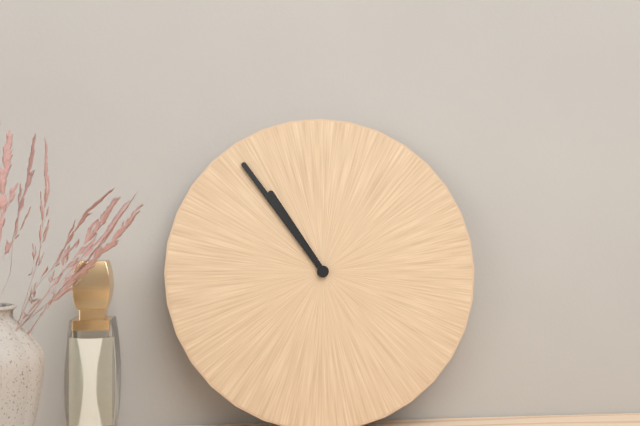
10:54
